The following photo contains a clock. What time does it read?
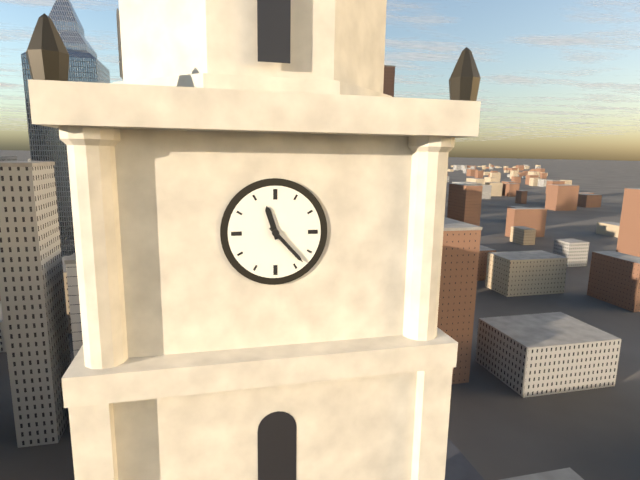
11:23
